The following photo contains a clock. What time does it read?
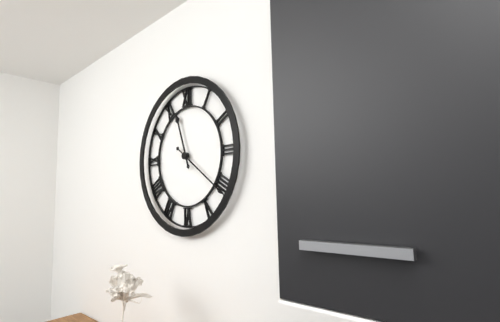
11:21
